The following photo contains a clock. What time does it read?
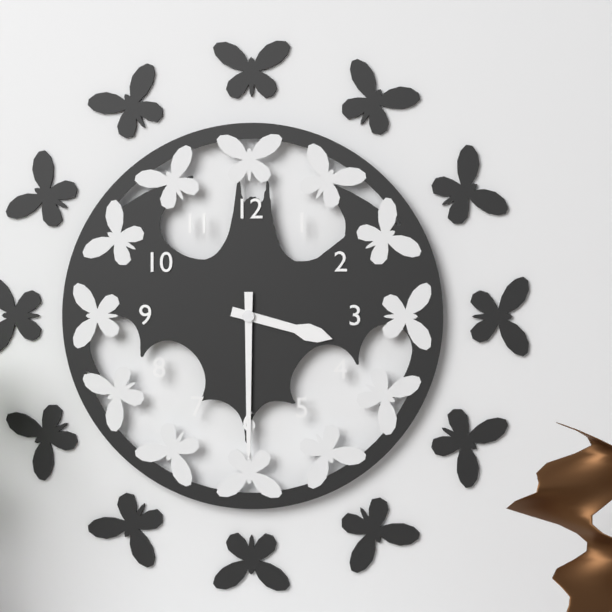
3:30
